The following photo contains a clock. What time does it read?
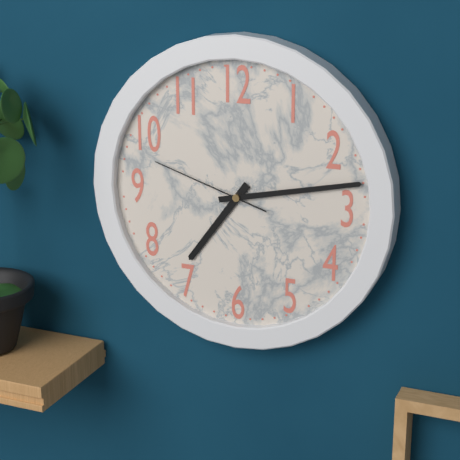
7:13:48
